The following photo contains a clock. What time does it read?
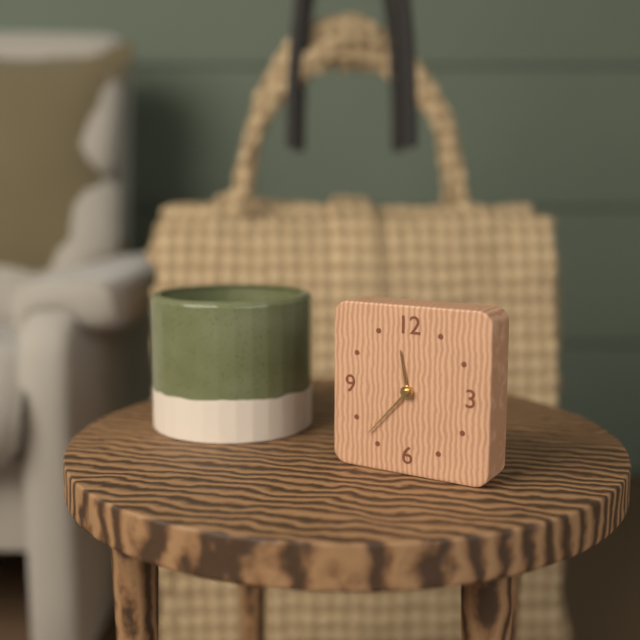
11:37
